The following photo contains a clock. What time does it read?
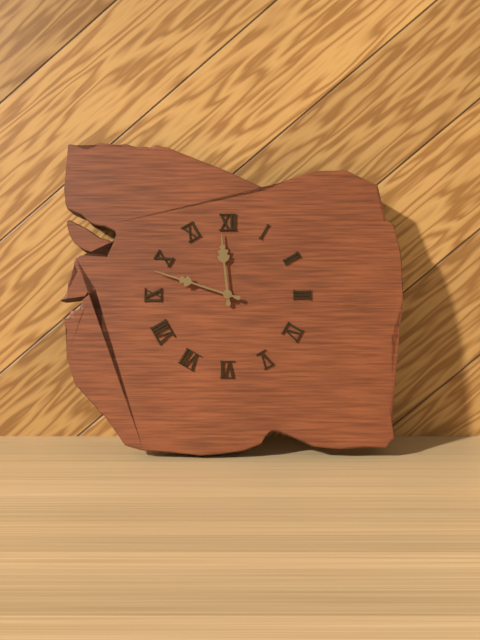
11:48
